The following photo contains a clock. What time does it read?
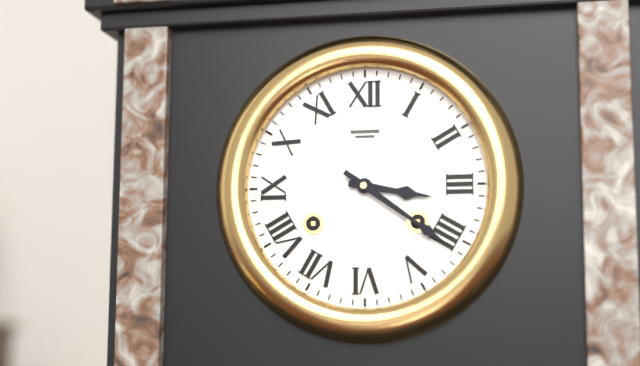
3:21
